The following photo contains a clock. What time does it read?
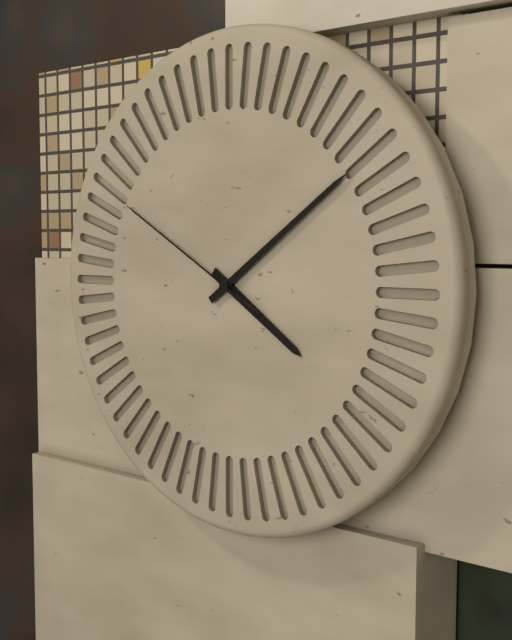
4:09:50
